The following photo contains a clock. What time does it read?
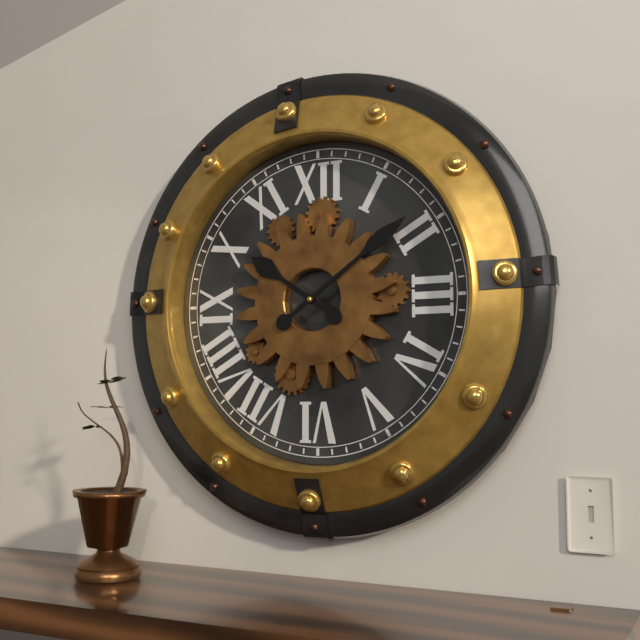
10:09
